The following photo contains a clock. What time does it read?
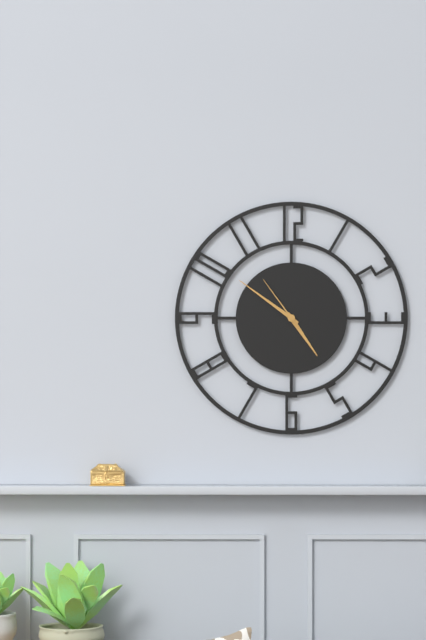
4:51:54
